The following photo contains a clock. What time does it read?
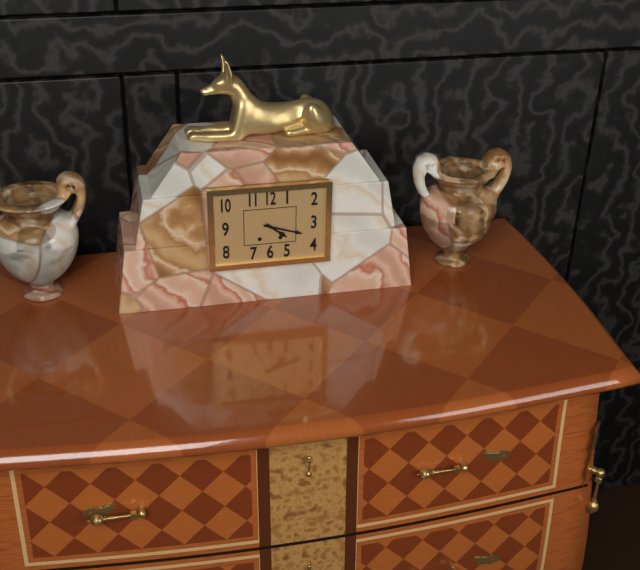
4:18
